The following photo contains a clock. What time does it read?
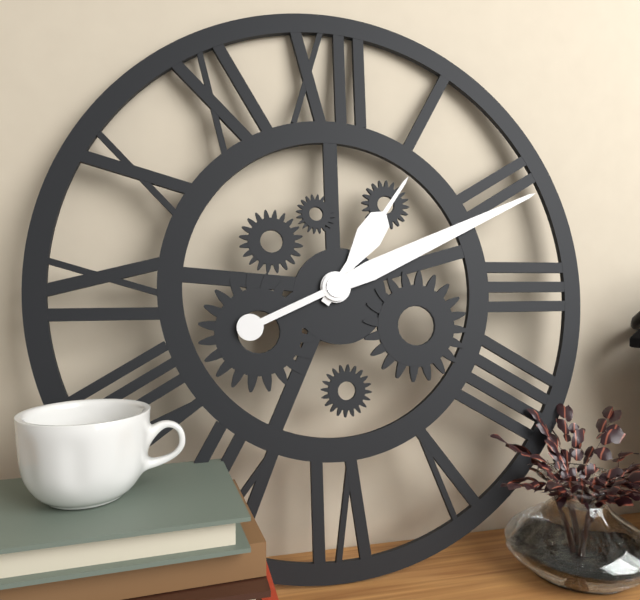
1:11
